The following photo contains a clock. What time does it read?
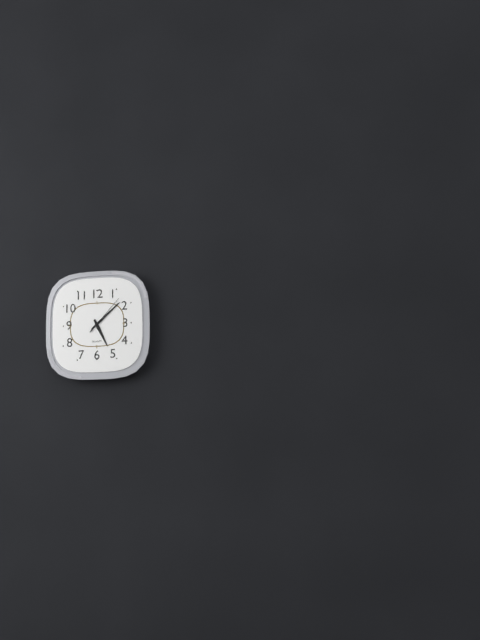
5:08
